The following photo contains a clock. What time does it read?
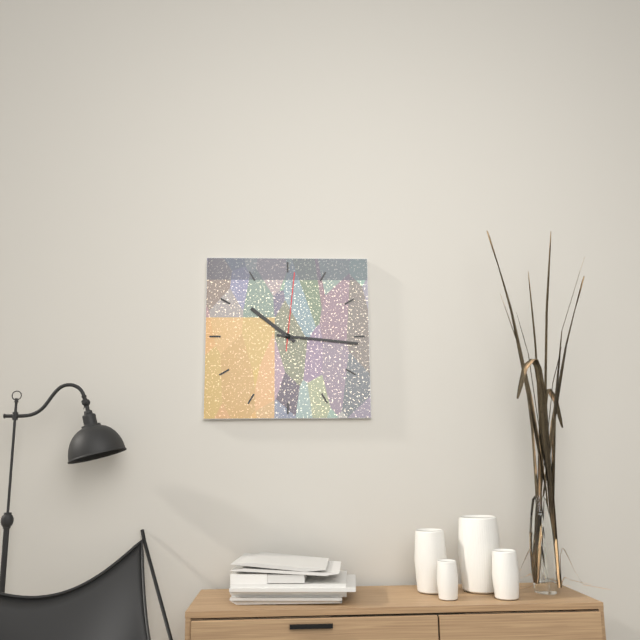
10:16:01
